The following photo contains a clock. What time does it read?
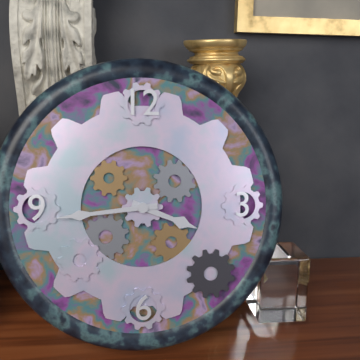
3:44
